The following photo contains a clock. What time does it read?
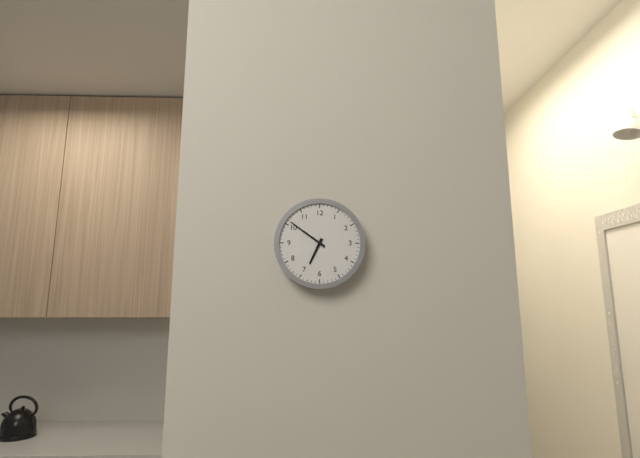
6:51
